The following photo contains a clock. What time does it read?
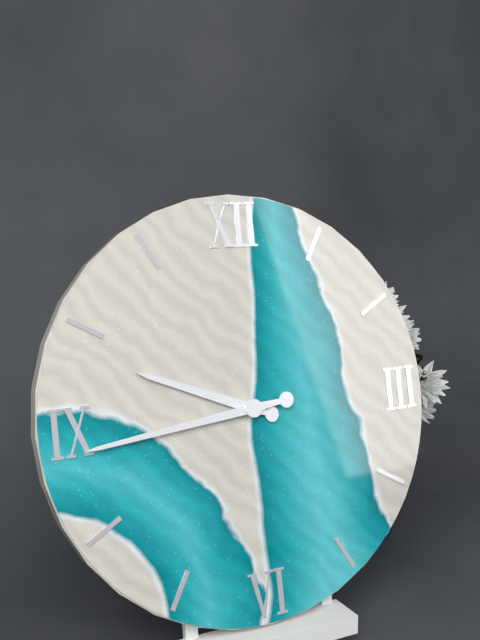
9:44
